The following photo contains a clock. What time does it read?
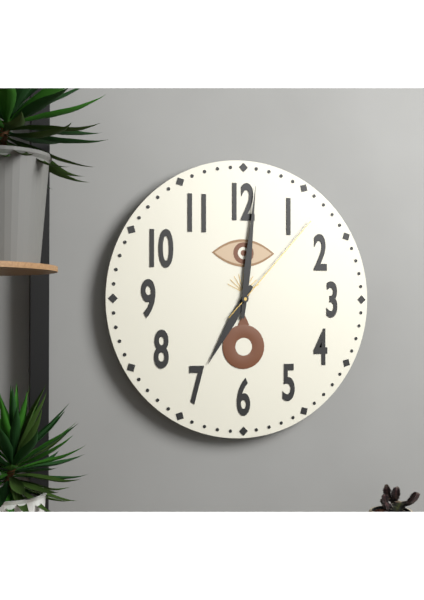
7:01:07
